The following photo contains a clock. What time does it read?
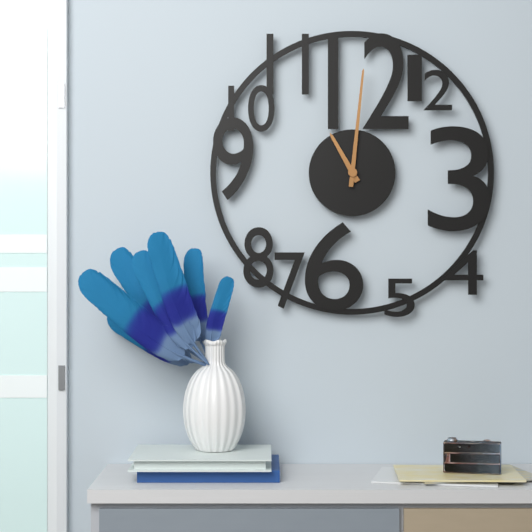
11:01
